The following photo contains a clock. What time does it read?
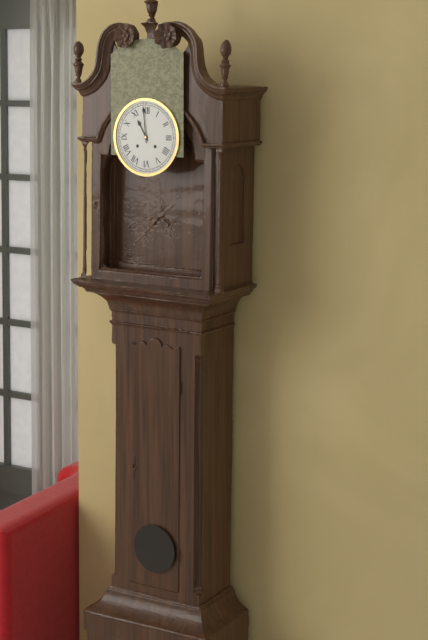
10:59
